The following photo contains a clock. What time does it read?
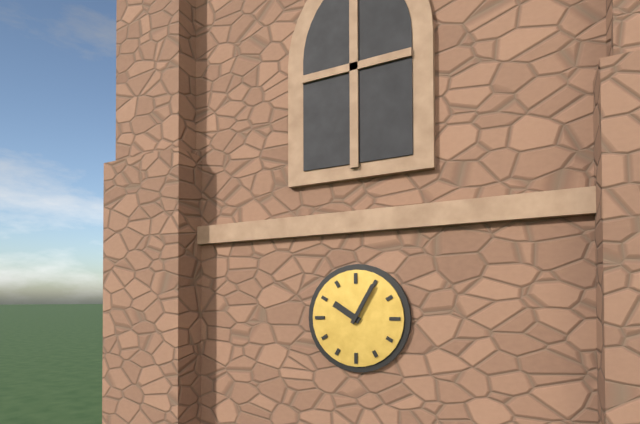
10:05
